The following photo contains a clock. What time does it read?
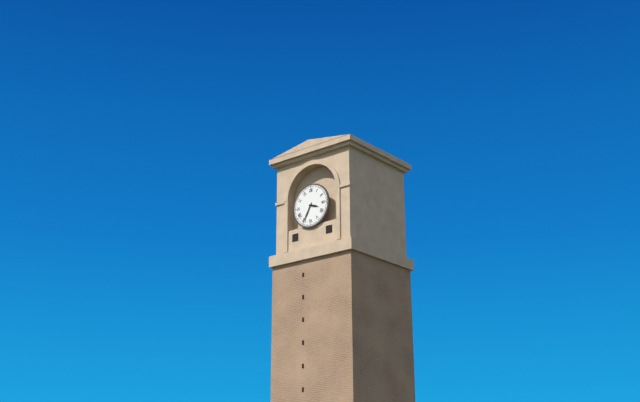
3:35
